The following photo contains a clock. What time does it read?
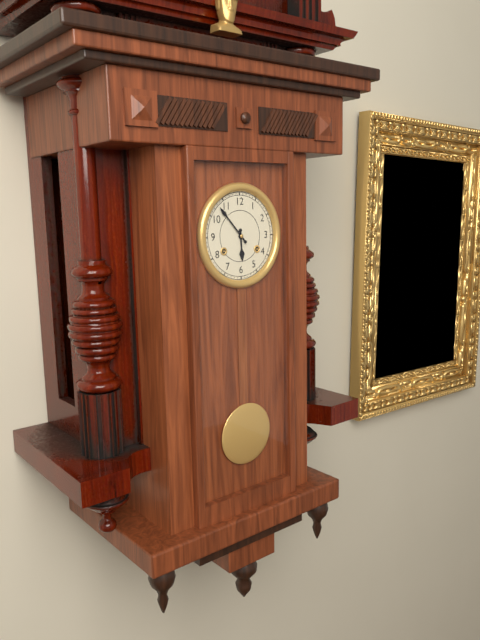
5:53
